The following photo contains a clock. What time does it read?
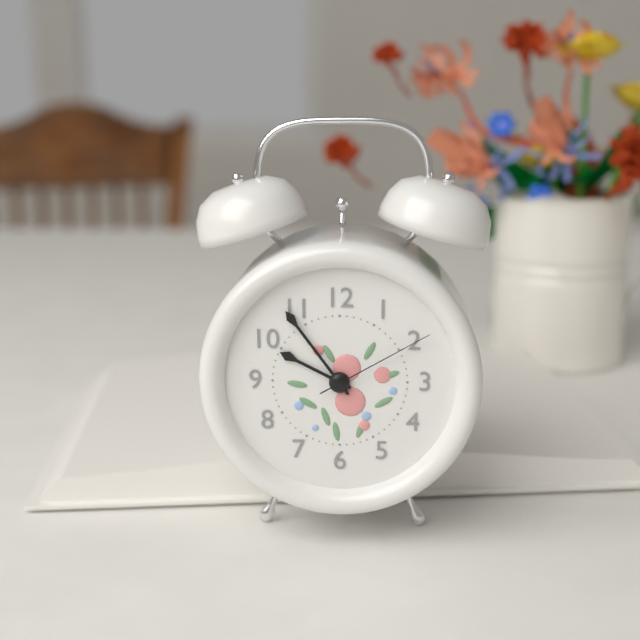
9:54:10
